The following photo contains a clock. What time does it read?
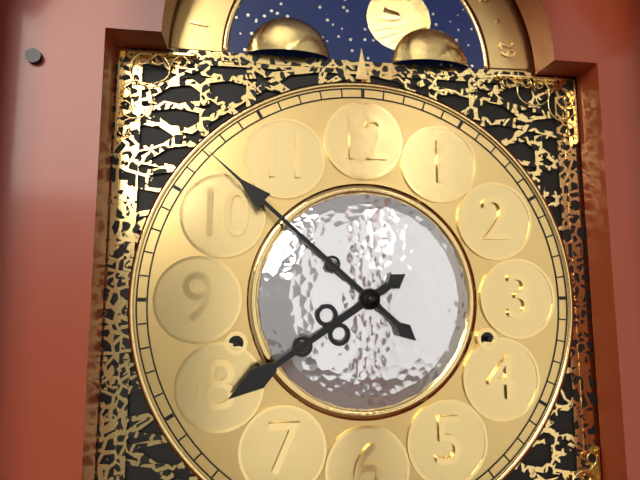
7:52
